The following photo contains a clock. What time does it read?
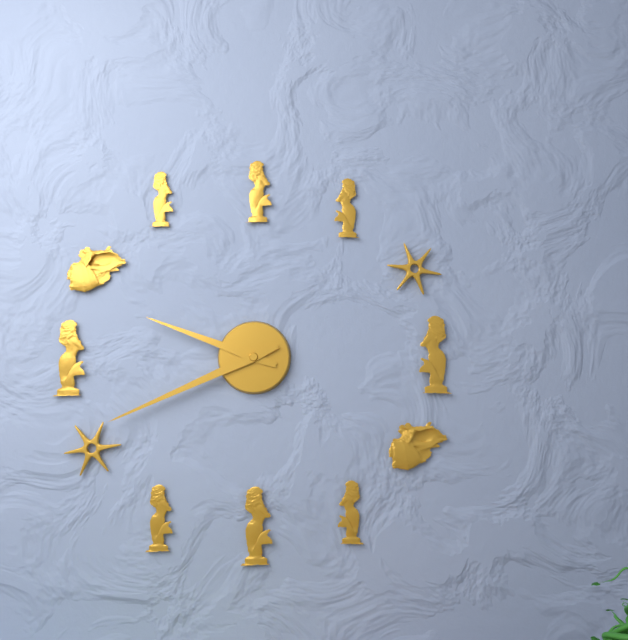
9:41
